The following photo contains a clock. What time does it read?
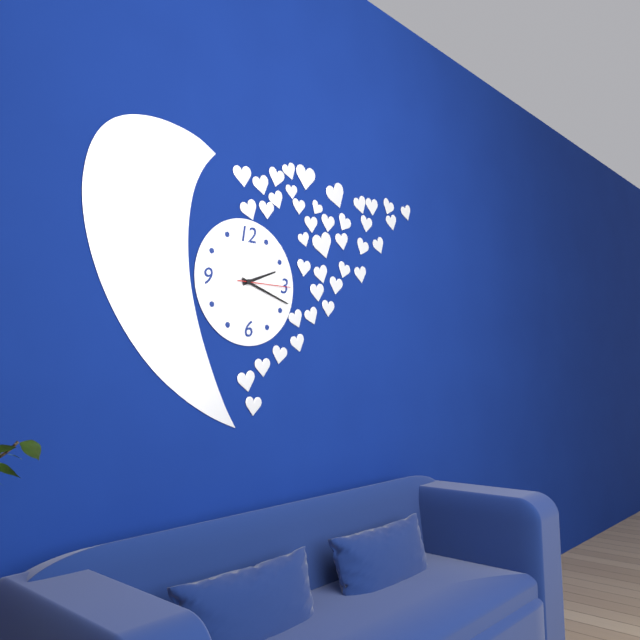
2:18:15
